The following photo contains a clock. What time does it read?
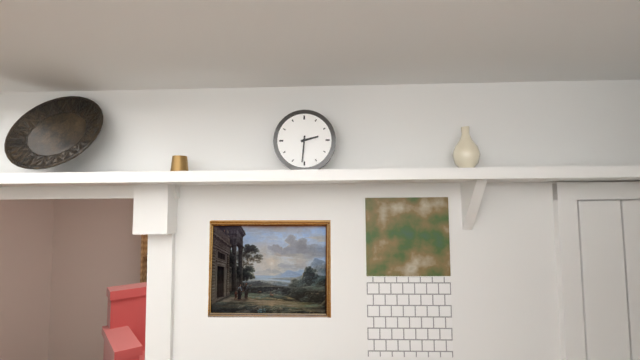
2:31
